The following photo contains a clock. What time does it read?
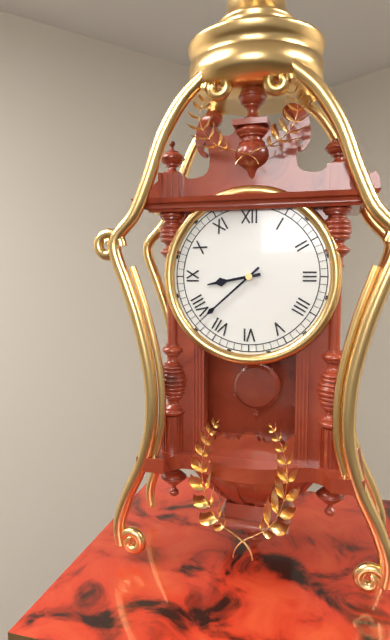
8:38
